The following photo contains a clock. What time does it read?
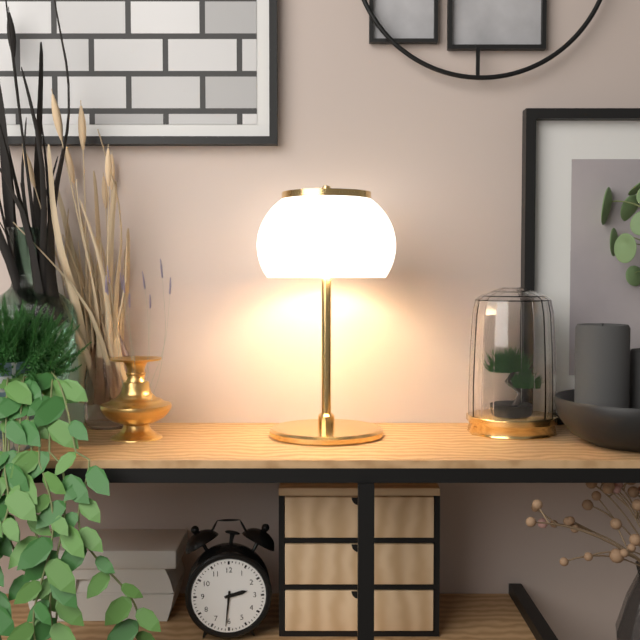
2:31
